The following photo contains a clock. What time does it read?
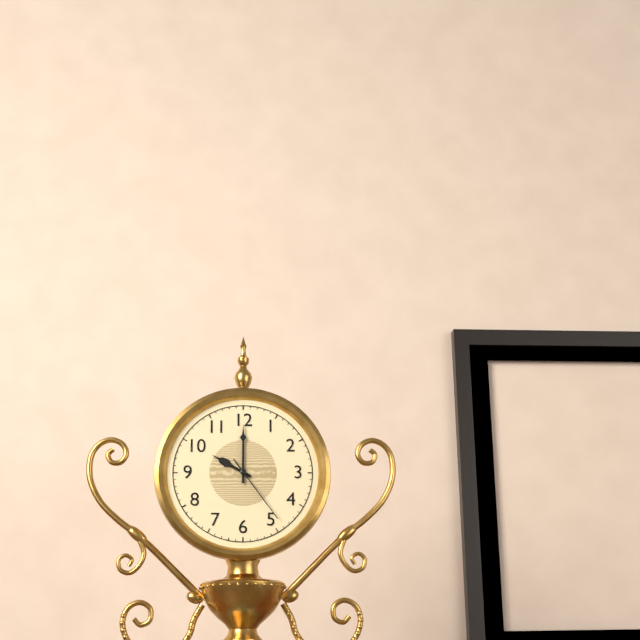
10:00:24
